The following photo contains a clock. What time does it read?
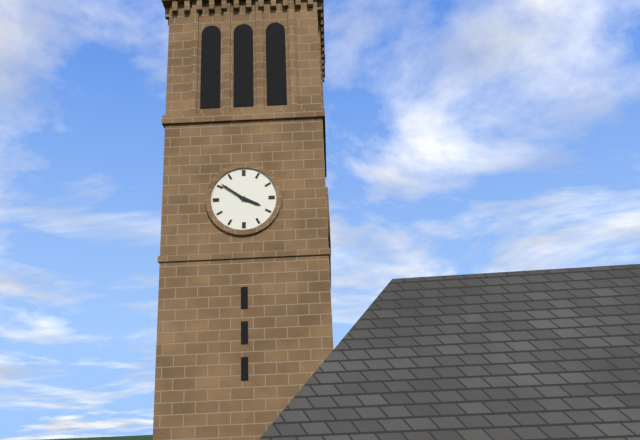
3:51
